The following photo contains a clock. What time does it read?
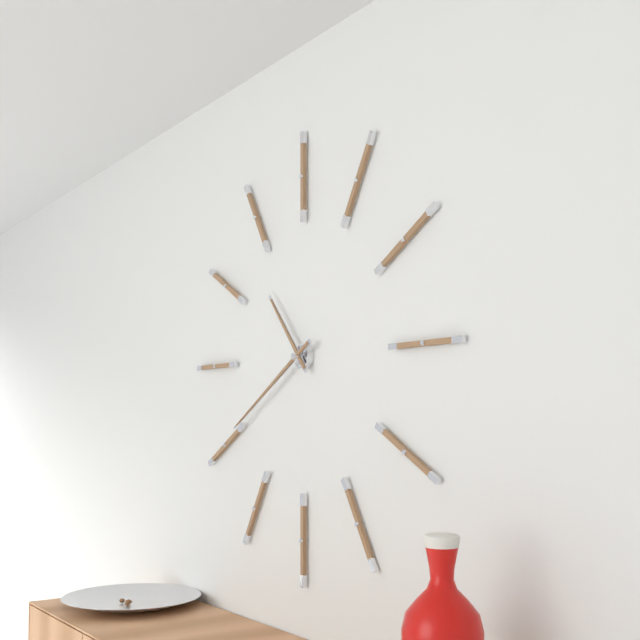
10:40
